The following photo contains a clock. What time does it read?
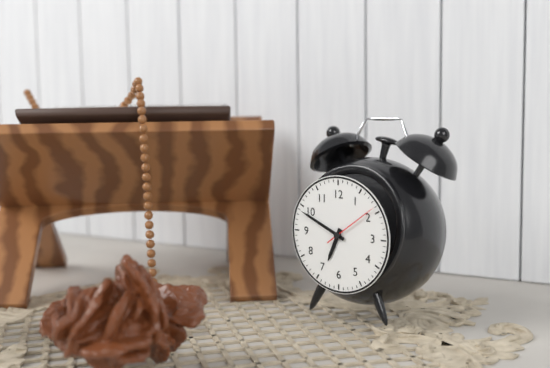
6:49:09
